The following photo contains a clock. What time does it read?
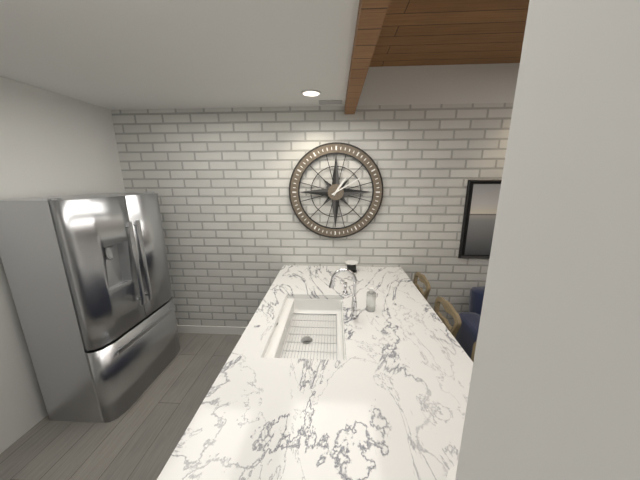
1:10
